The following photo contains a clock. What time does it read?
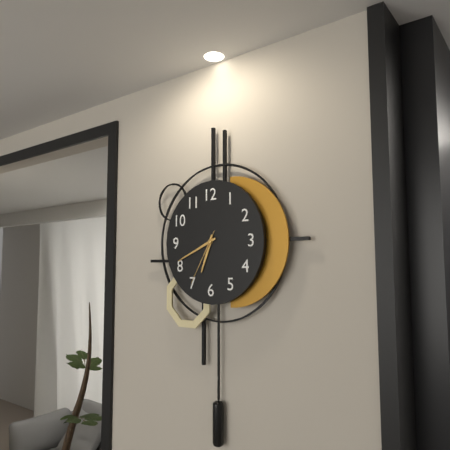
6:41:35
